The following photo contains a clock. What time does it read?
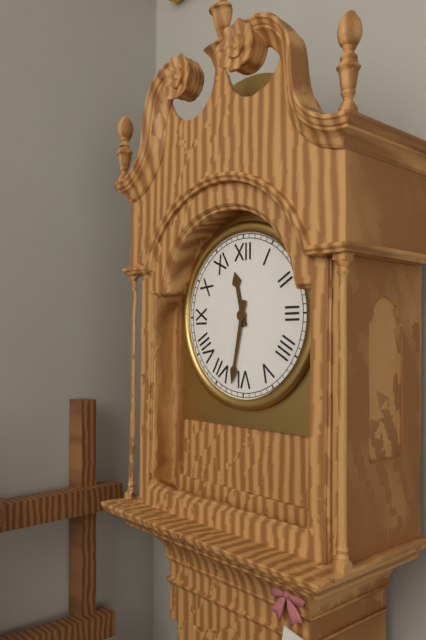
11:32
